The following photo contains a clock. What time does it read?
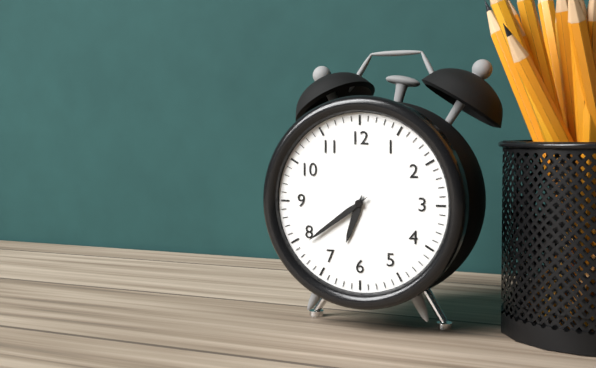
6:39
